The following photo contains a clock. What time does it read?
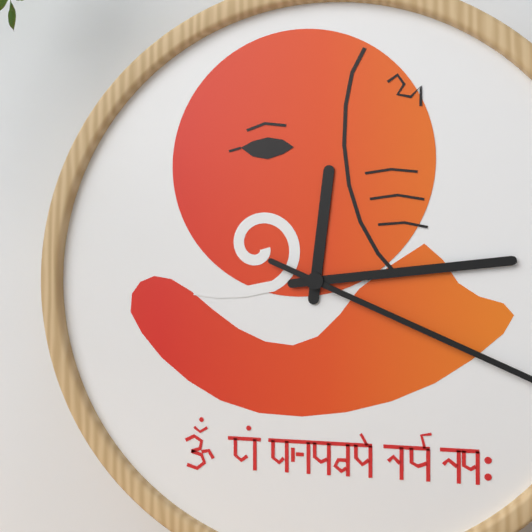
12:14
